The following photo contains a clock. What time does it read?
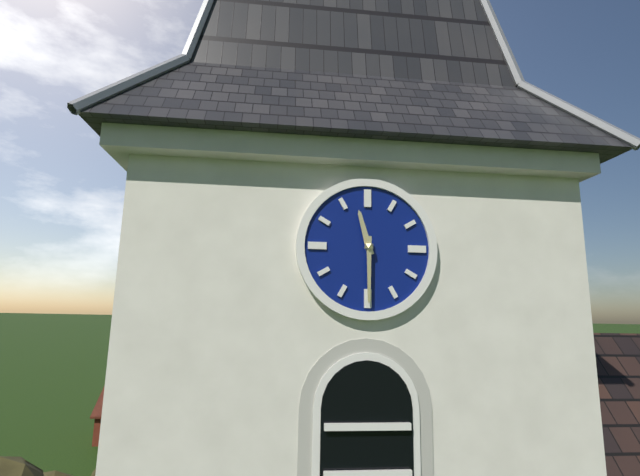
11:30
